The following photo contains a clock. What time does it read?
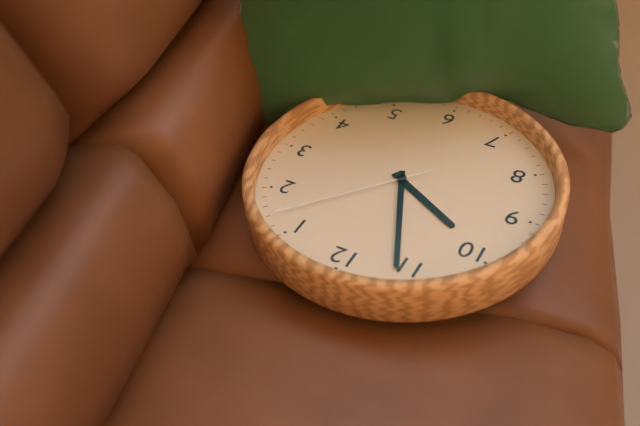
9:56:07
